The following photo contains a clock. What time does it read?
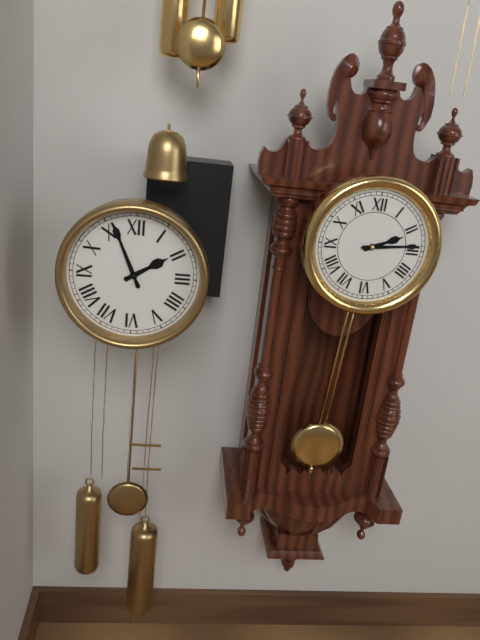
1:56
